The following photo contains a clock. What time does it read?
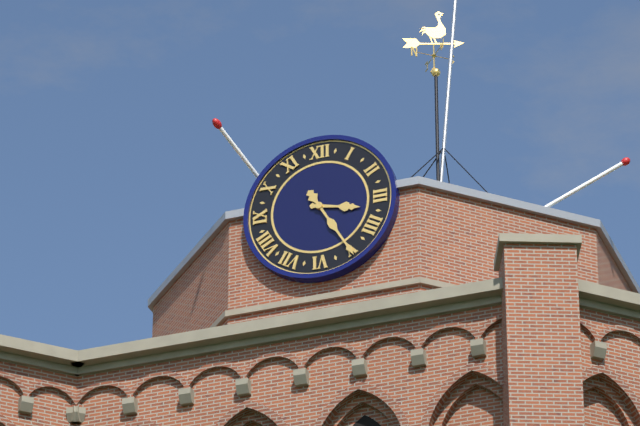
3:25
